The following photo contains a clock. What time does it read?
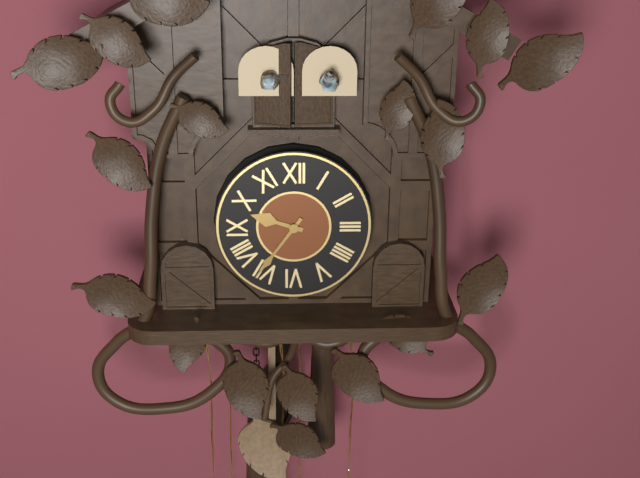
9:36
